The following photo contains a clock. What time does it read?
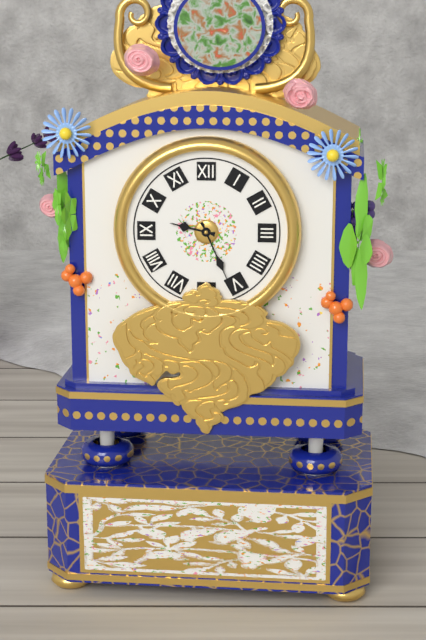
9:26
